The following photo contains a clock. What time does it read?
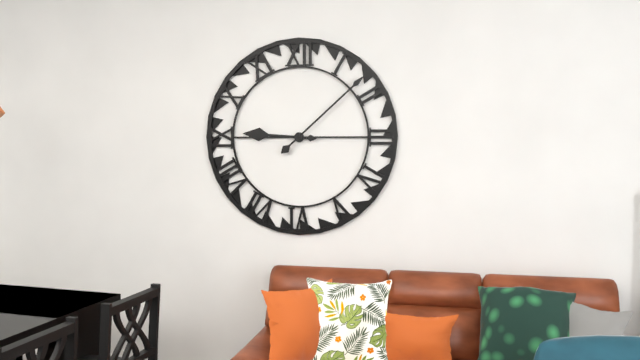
9:08
